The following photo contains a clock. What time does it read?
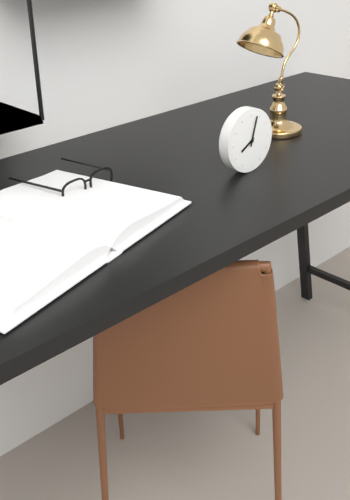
8:03
